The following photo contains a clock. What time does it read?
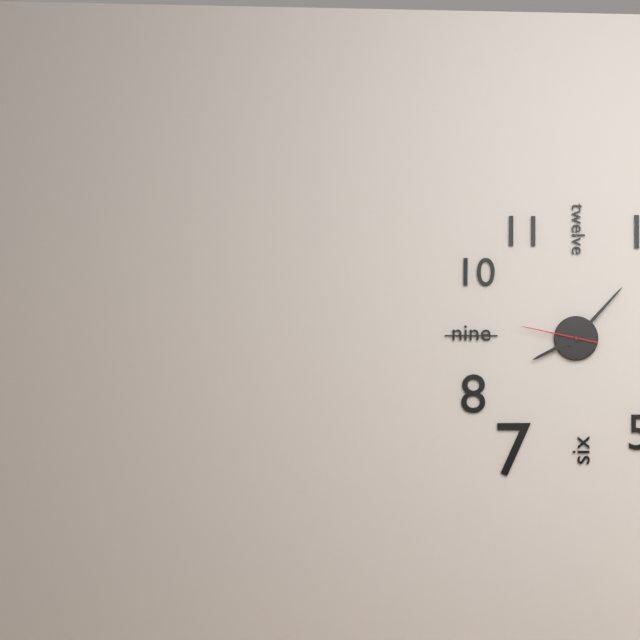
8:07:47
